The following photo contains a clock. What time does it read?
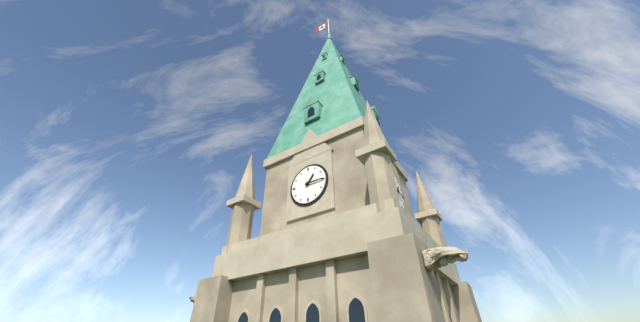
1:15
